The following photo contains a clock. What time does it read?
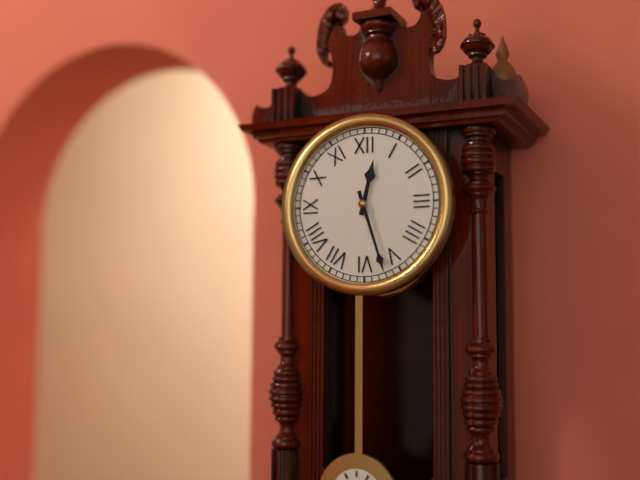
12:27
